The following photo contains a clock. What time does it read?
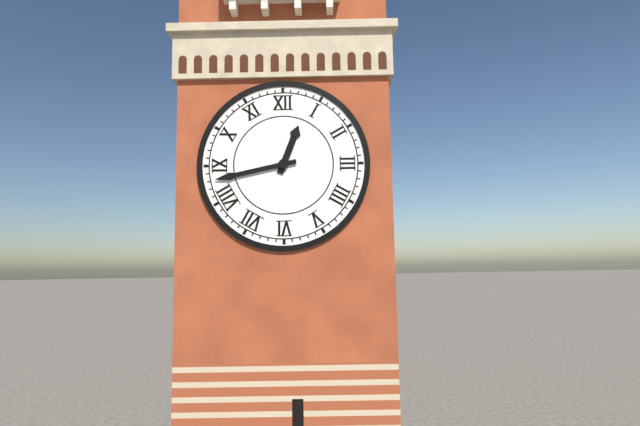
12:43
